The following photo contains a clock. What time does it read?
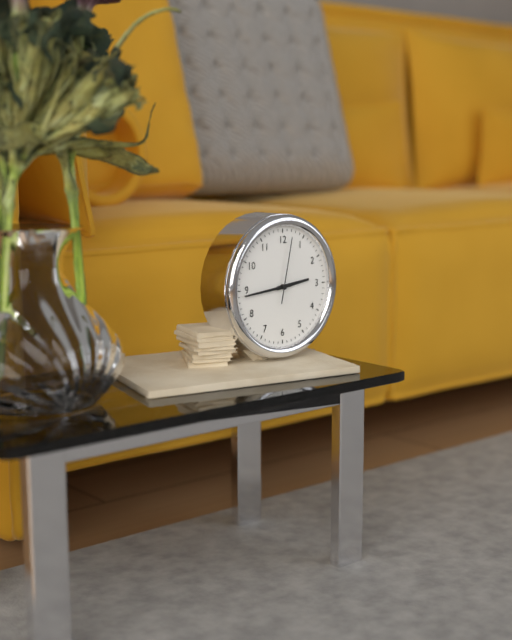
2:44:02
